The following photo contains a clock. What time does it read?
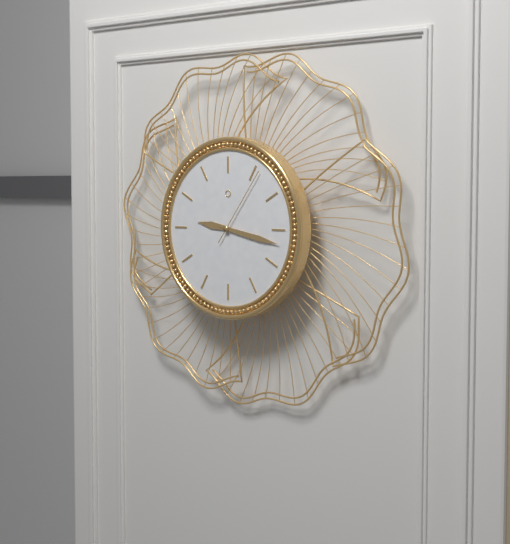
9:17:06
